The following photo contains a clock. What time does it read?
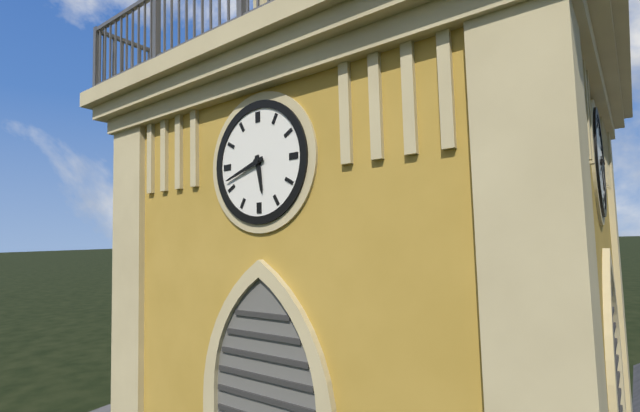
5:42
